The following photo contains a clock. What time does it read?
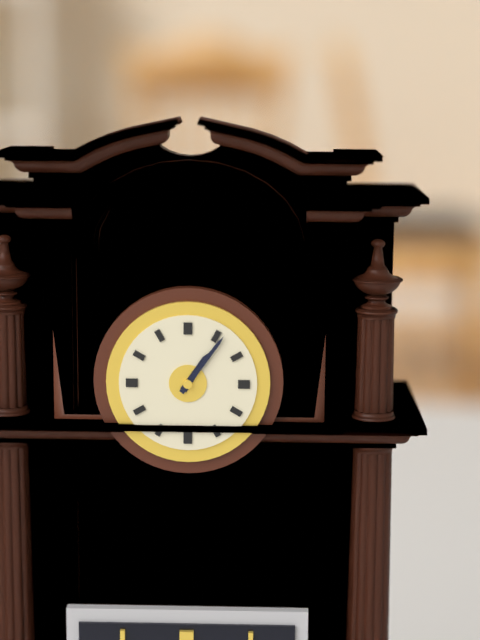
1:06
